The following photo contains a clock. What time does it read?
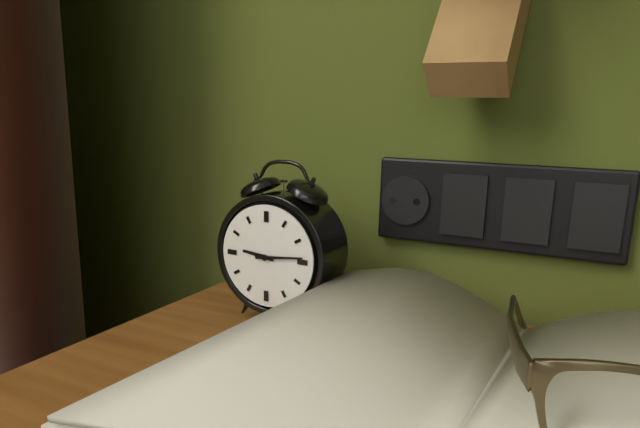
9:14
